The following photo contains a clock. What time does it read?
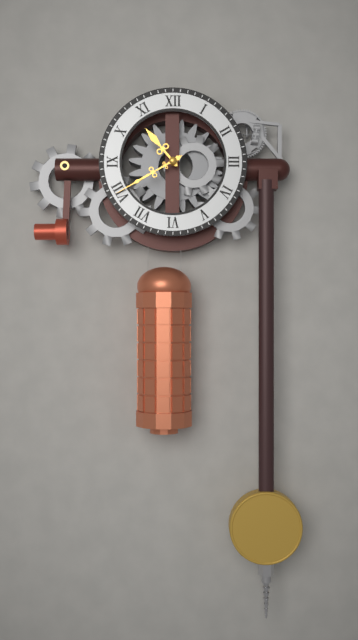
10:40
